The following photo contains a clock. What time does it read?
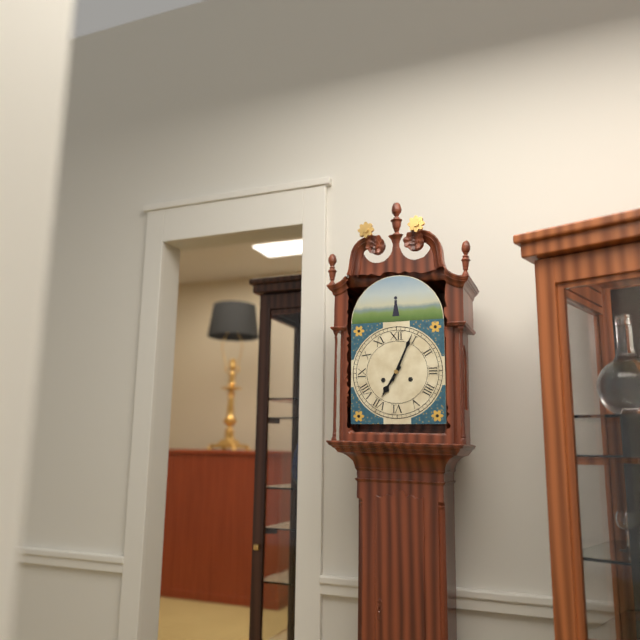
7:04
